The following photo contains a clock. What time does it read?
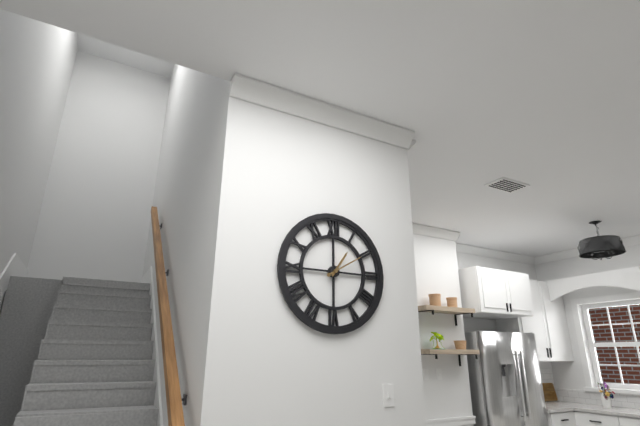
1:10
